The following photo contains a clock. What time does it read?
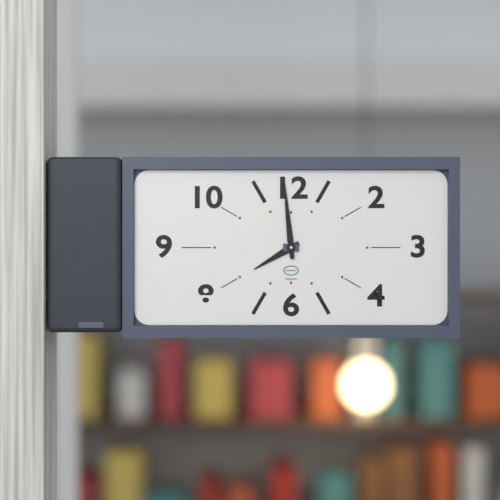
7:59
